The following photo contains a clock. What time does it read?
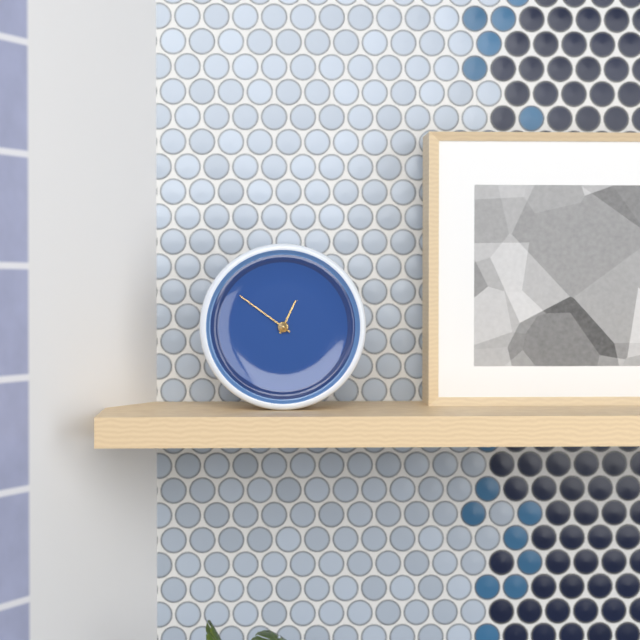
12:51
